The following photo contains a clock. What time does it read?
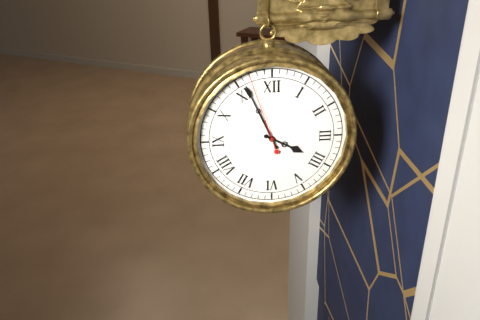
3:56:57
